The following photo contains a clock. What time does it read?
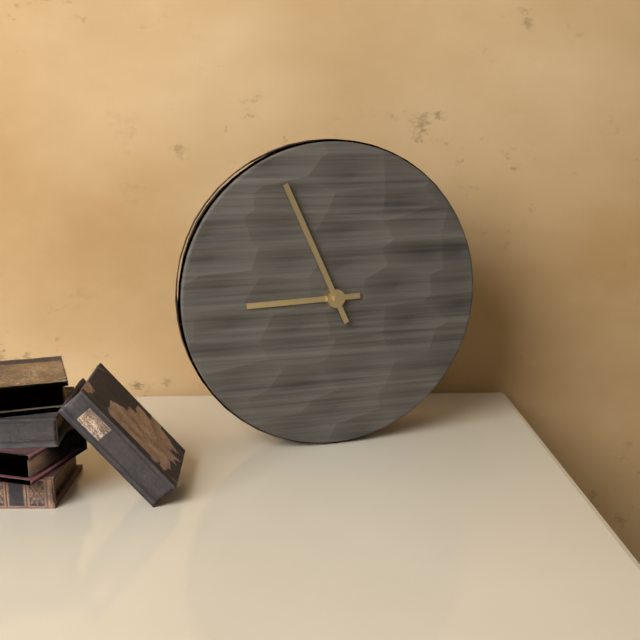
8:56
